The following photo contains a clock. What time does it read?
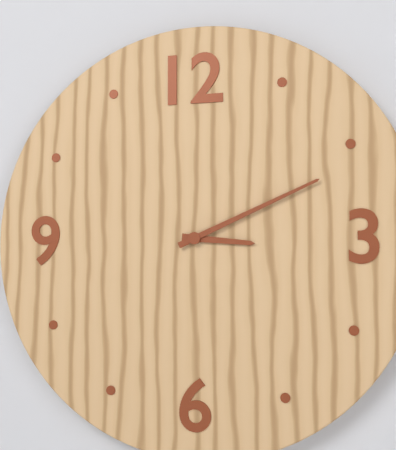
3:11
